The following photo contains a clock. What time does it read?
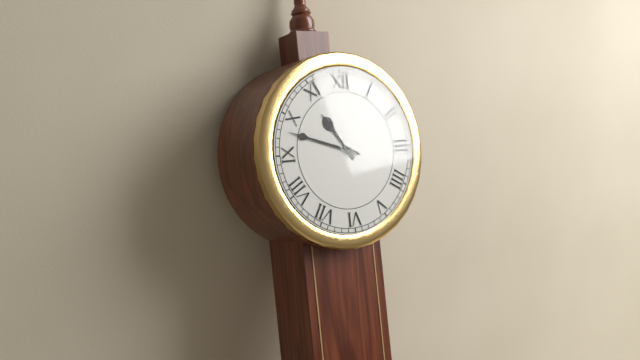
10:48
